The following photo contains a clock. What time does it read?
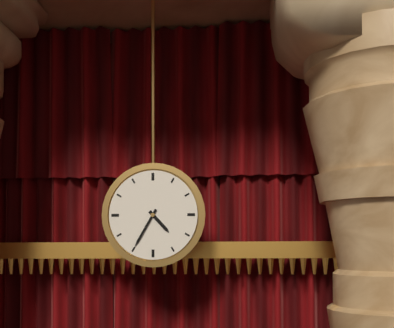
4:35
